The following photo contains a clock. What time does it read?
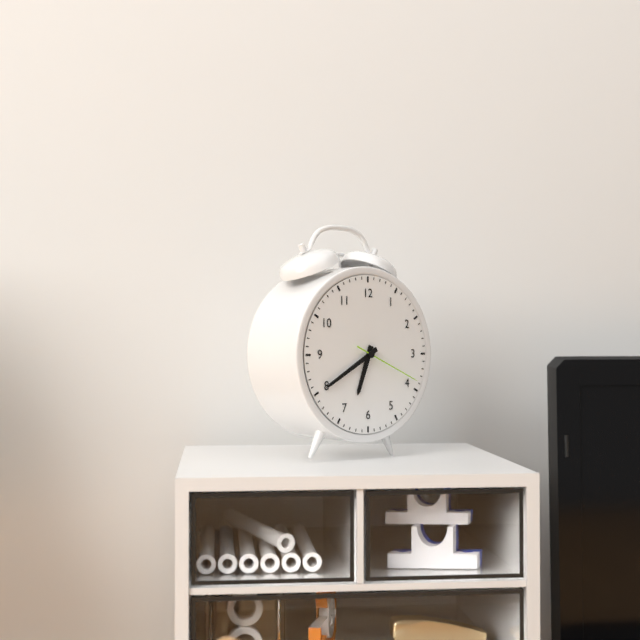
6:40:19
